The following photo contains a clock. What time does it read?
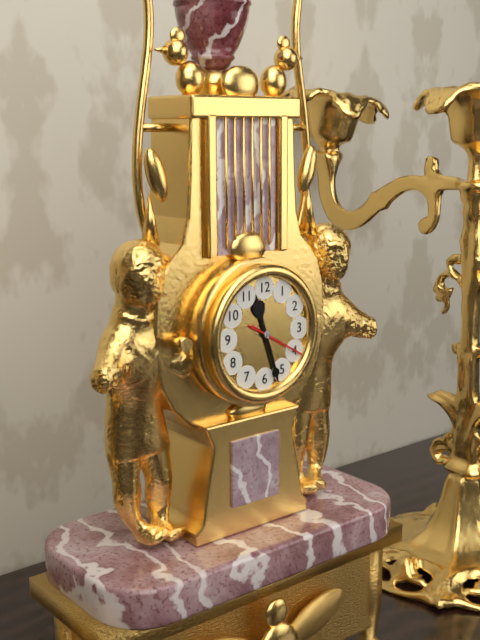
11:27:20
